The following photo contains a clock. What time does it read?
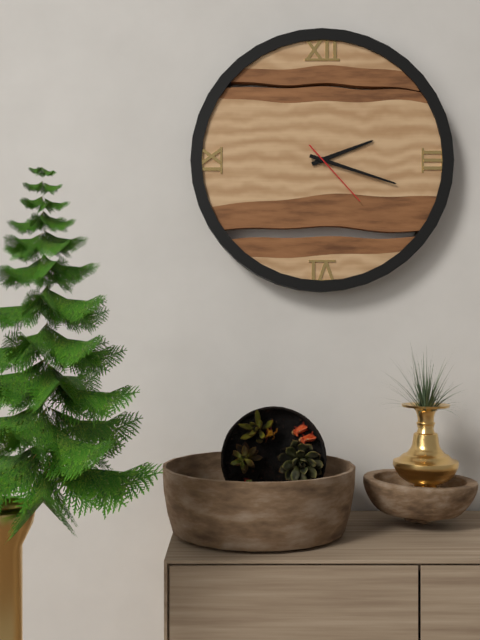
2:18:23
